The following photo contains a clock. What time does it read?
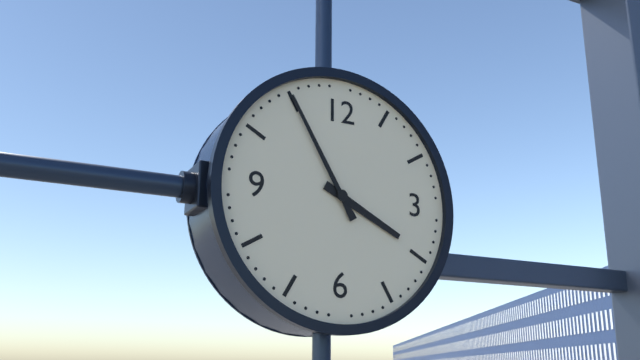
3:55
